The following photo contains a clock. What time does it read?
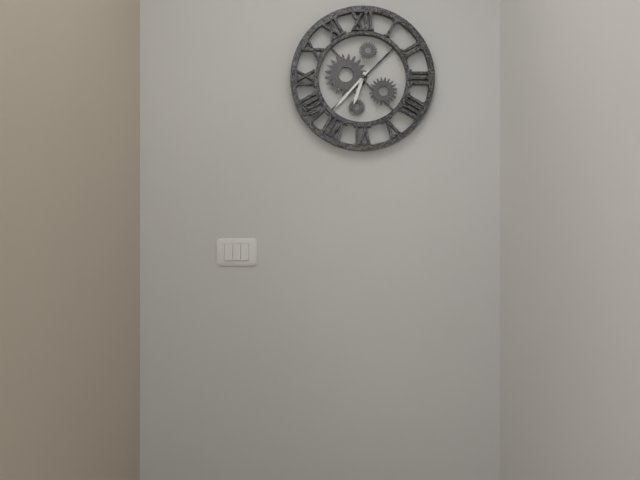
6:37
